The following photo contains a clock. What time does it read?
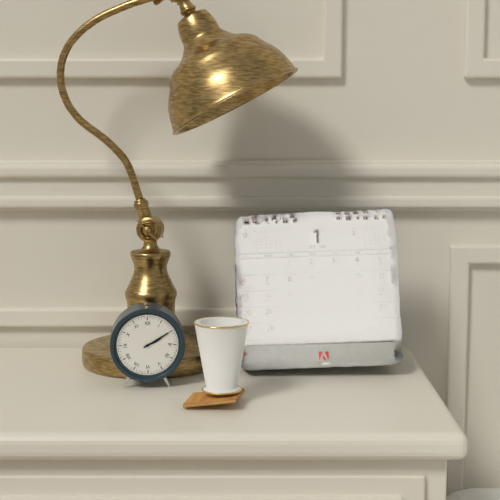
2:10
